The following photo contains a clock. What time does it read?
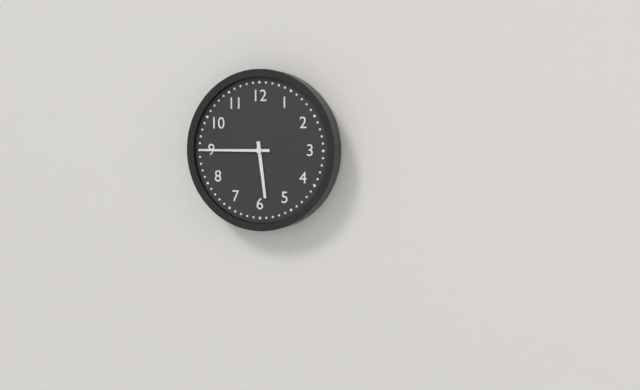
5:45
